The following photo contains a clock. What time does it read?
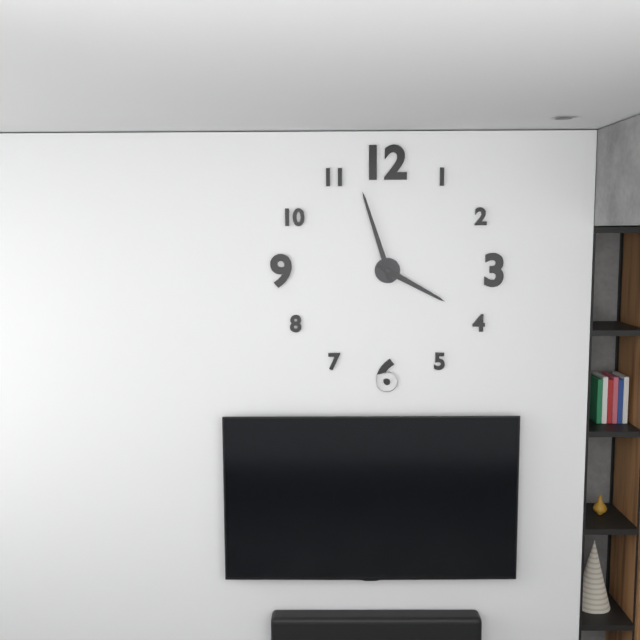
3:57
